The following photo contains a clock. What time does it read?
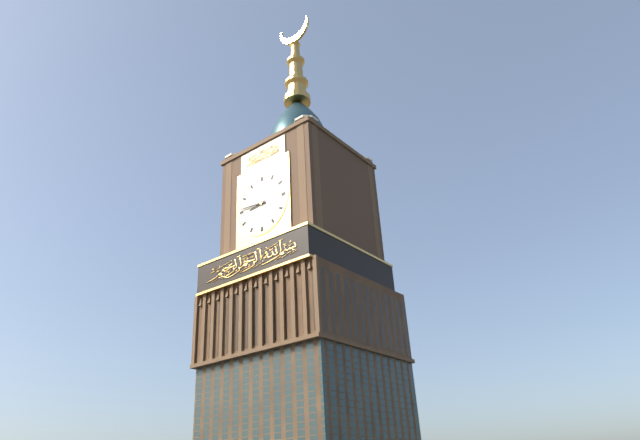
8:46
